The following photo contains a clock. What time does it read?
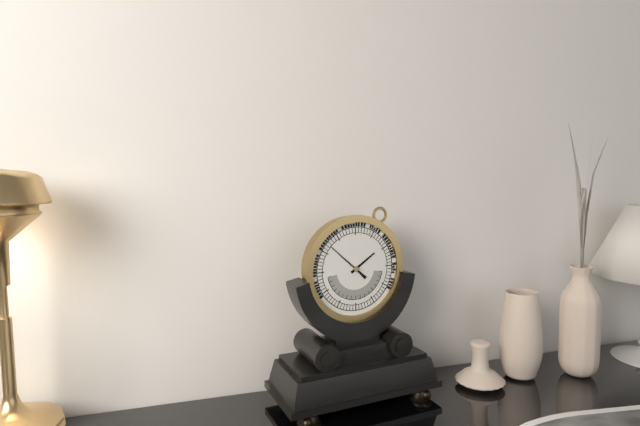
1:52
